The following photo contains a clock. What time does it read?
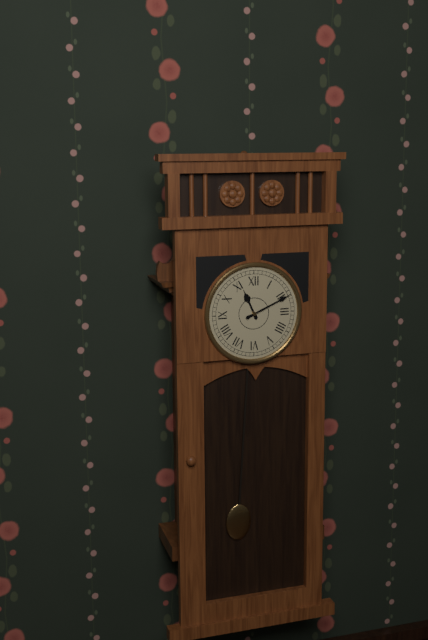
11:11
